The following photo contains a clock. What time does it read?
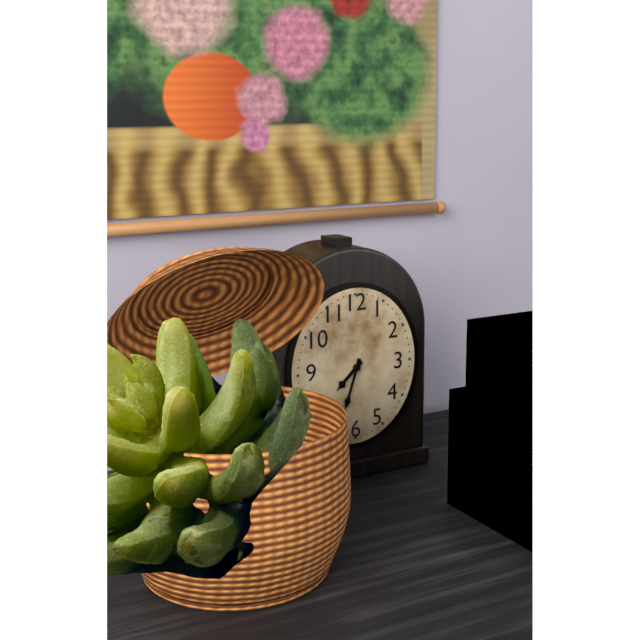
7:33
